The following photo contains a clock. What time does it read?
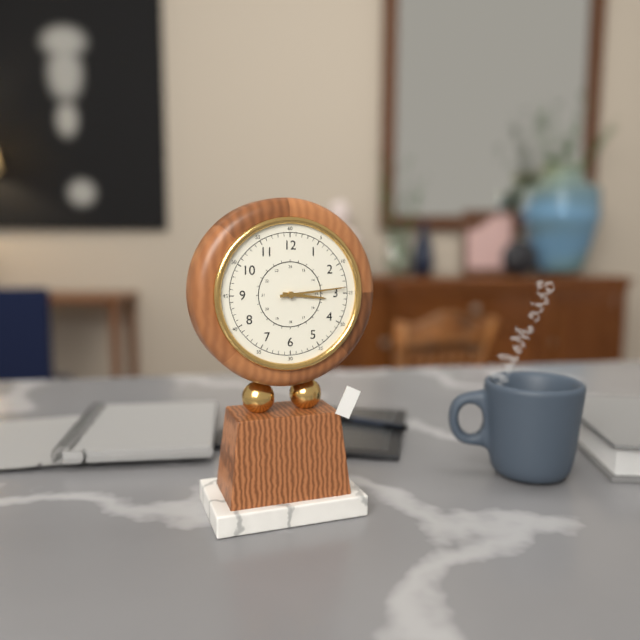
3:14
